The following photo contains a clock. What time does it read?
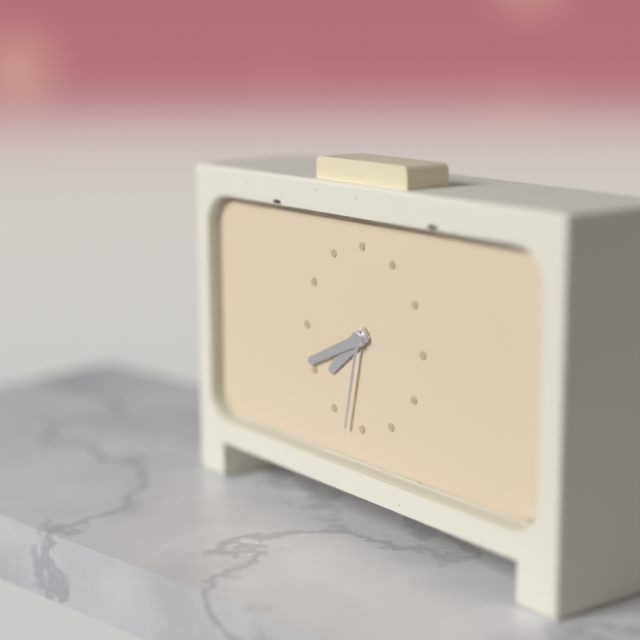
7:41:32
